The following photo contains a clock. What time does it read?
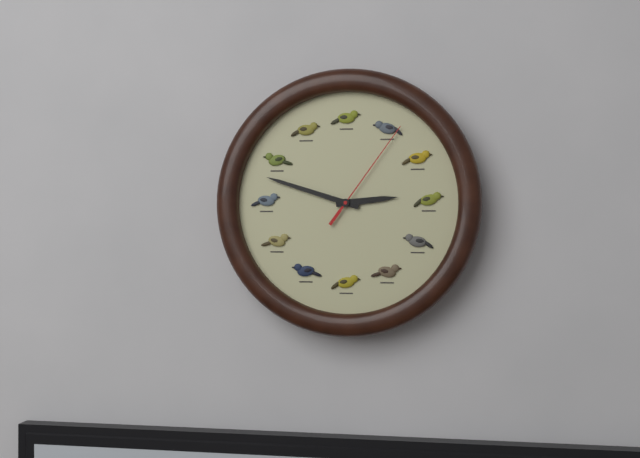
2:48:06
